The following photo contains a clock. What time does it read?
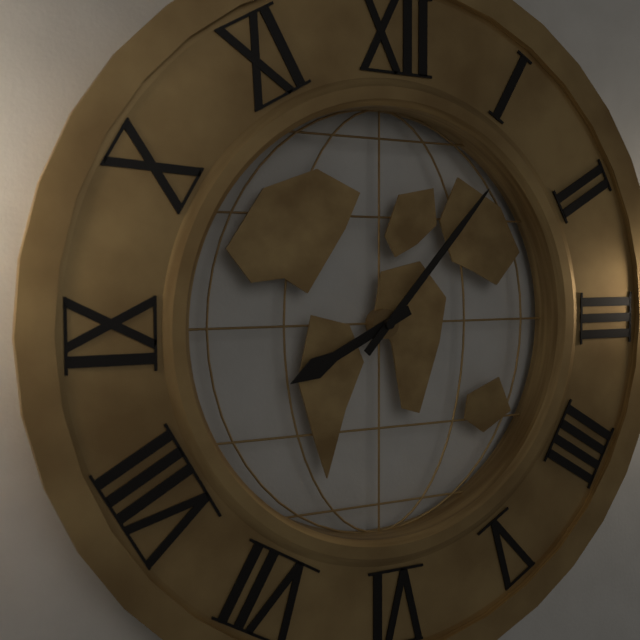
8:07
